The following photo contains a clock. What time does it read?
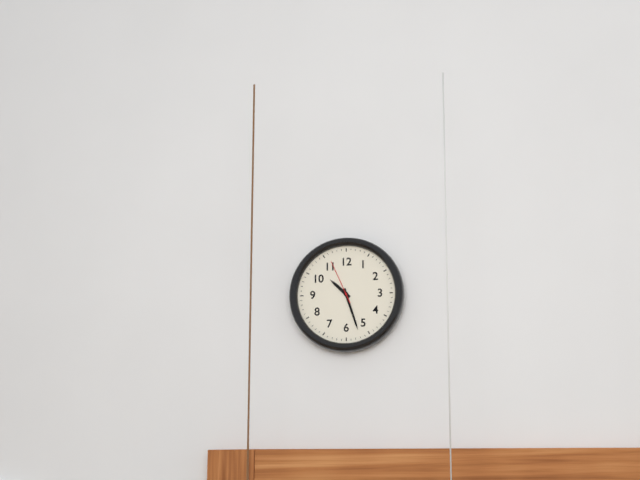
10:27
